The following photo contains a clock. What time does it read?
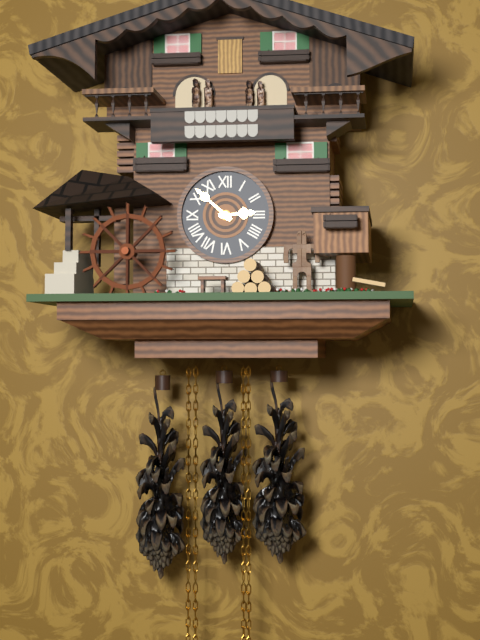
2:52
